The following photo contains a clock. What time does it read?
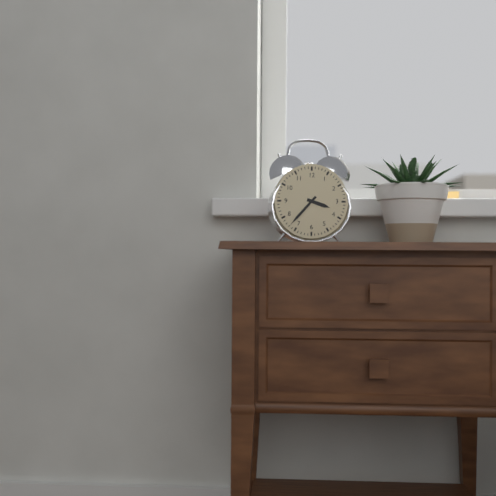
3:37
